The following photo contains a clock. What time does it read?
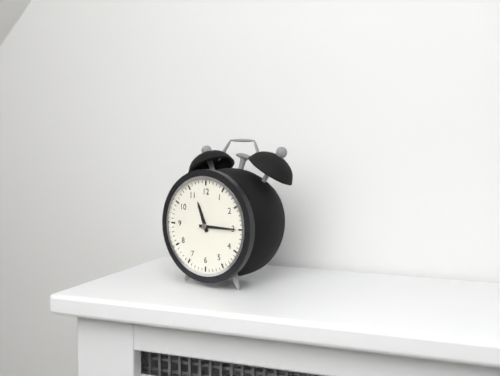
11:15
